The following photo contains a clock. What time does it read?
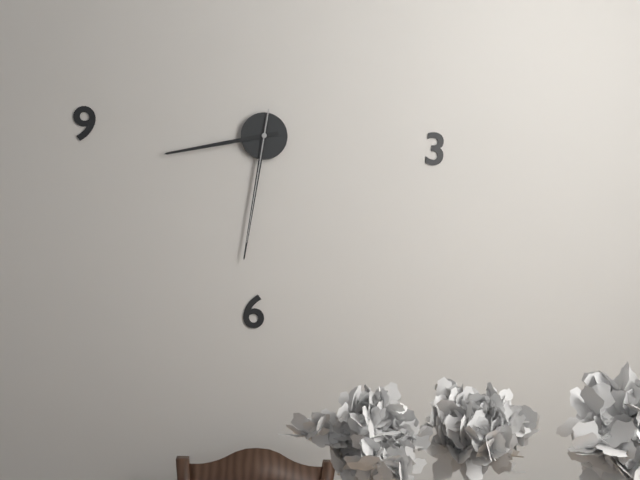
8:31:31
